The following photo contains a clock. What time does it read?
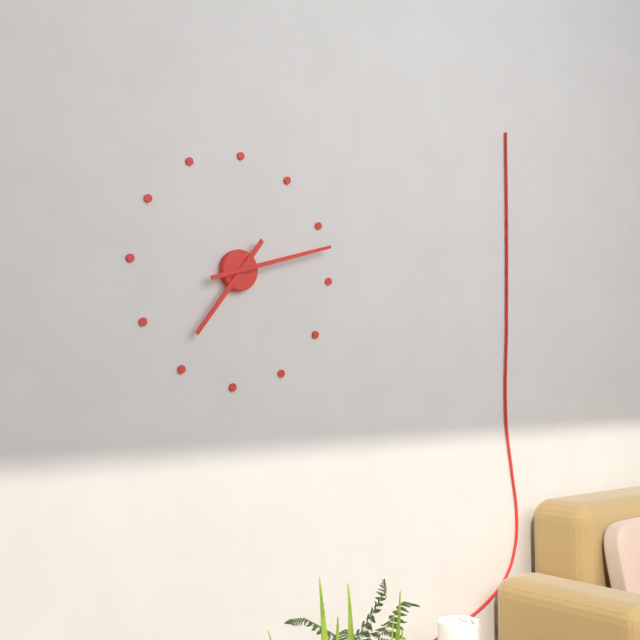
7:12
